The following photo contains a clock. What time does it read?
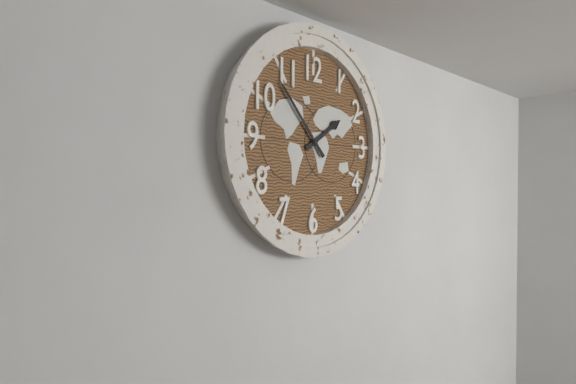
1:53
